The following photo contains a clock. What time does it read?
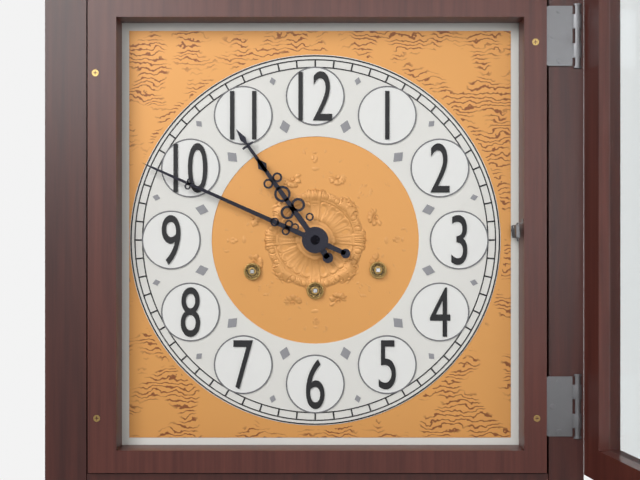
10:49
